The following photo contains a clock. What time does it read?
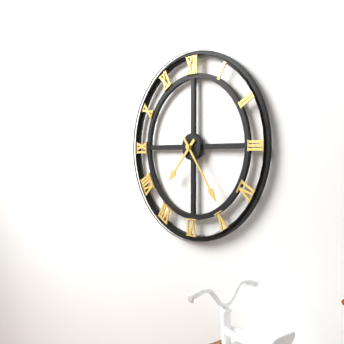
7:24
